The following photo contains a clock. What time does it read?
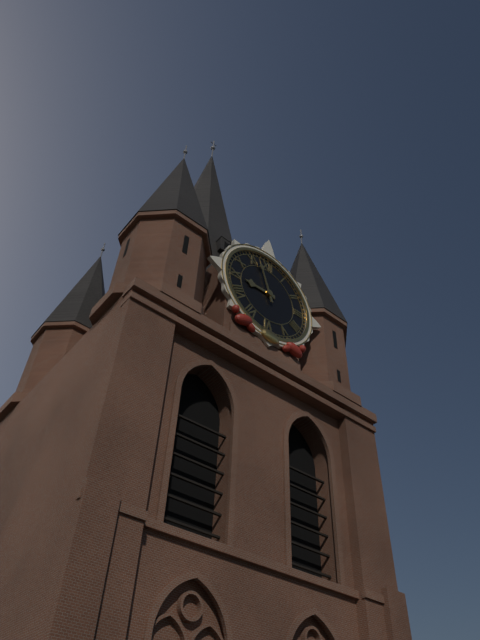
8:57
